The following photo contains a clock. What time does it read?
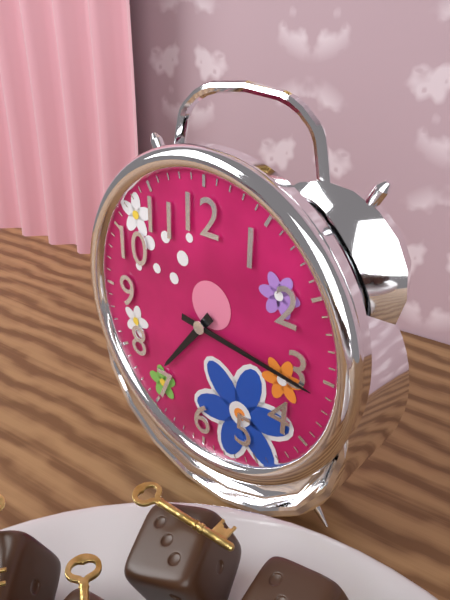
7:16
